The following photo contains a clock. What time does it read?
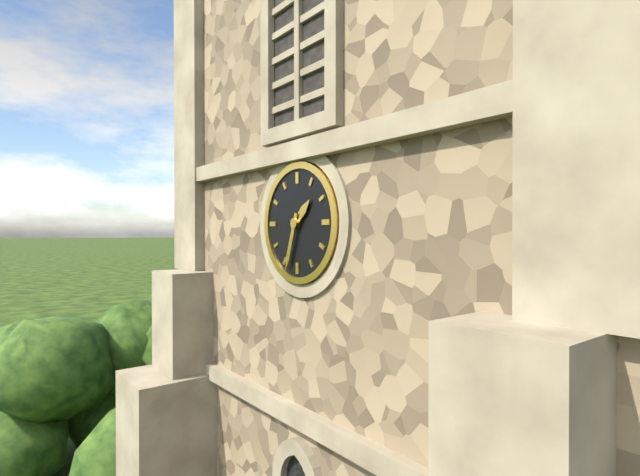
1:33
